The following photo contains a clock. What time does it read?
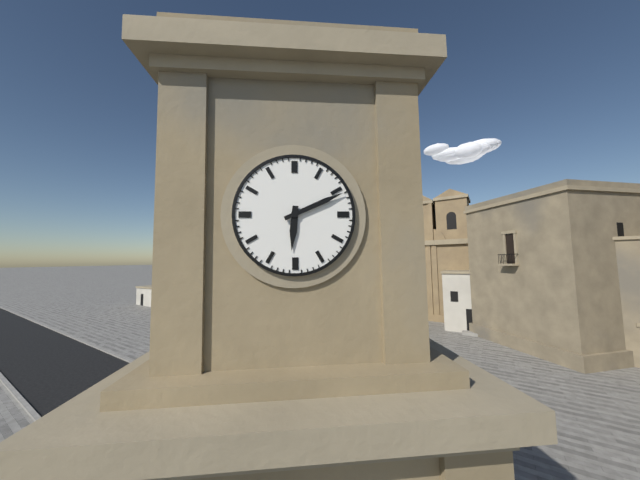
6:11
